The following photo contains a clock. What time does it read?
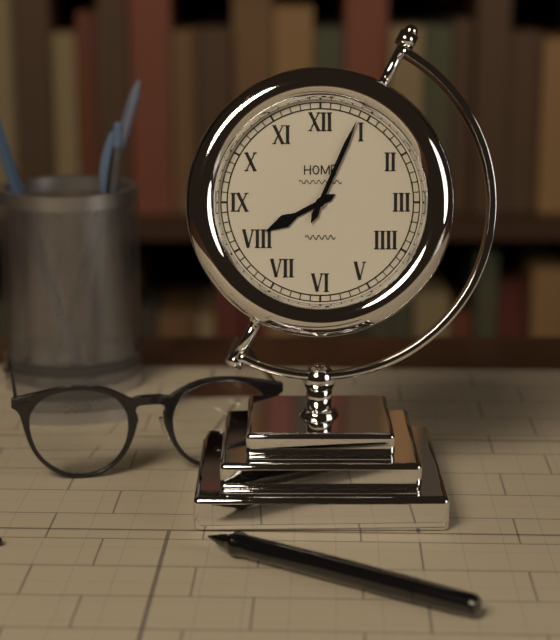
8:04
